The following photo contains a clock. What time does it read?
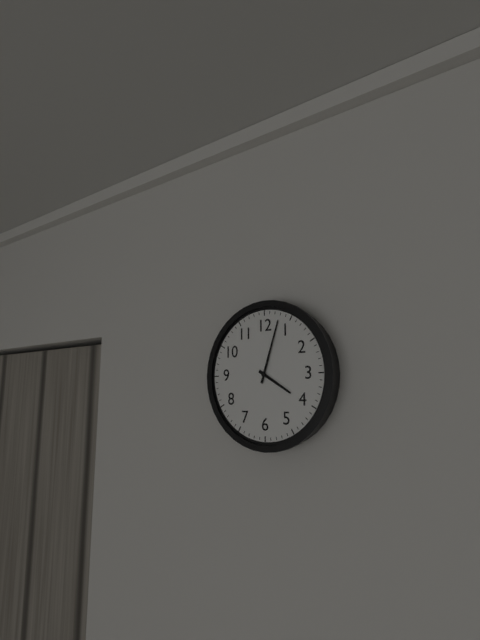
4:03
